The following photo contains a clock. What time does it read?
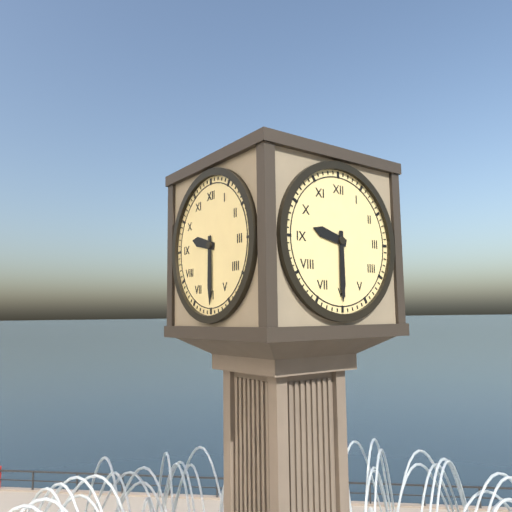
9:30
